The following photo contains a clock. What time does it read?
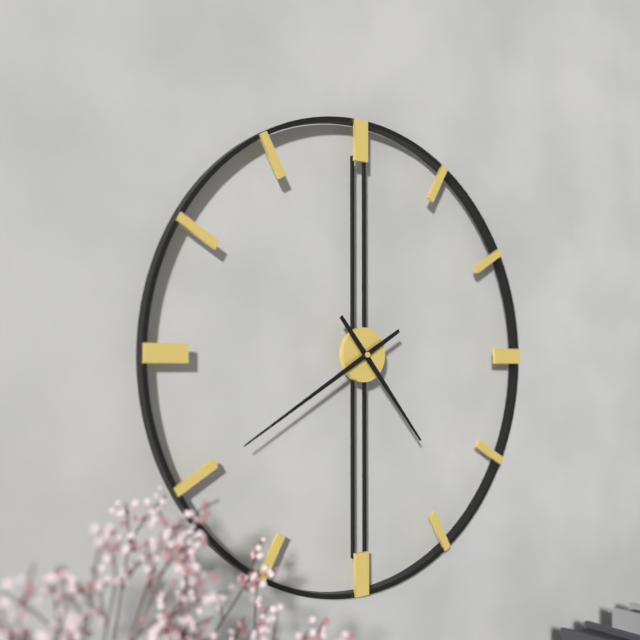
4:40
